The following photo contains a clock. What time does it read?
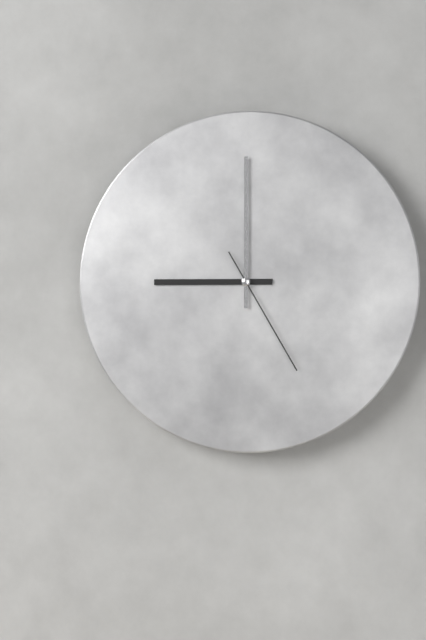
9:00:25
